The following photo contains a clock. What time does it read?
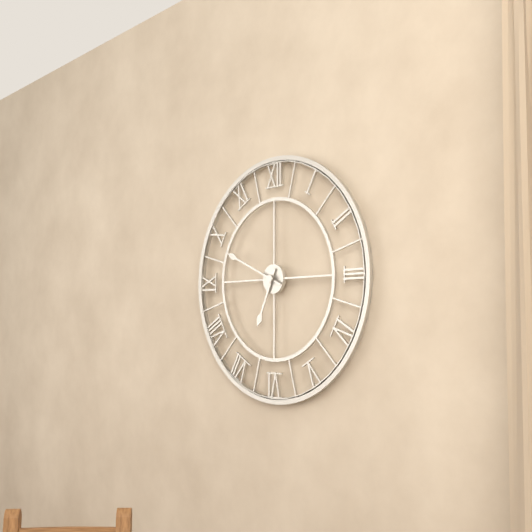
6:49
